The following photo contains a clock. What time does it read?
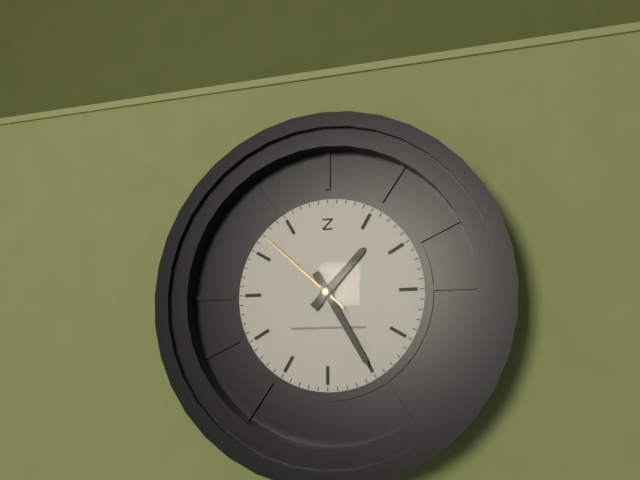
1:25:52
